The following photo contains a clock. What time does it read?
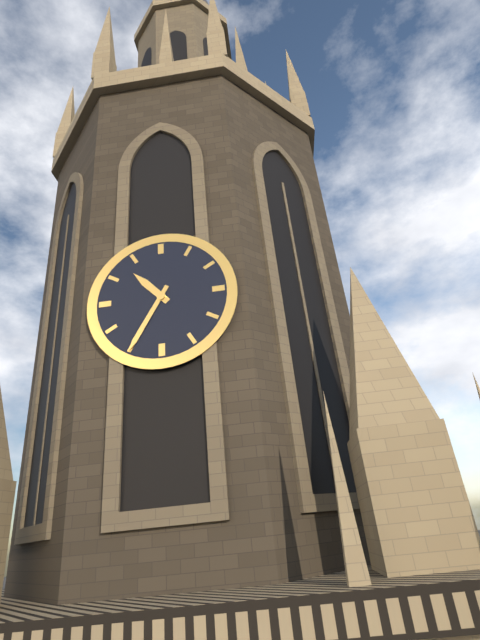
10:35
